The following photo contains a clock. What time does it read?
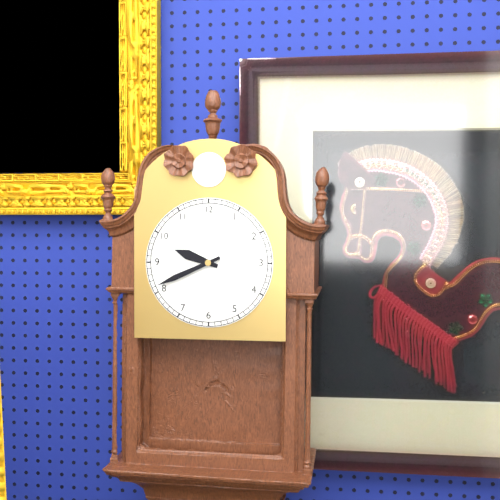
9:41
